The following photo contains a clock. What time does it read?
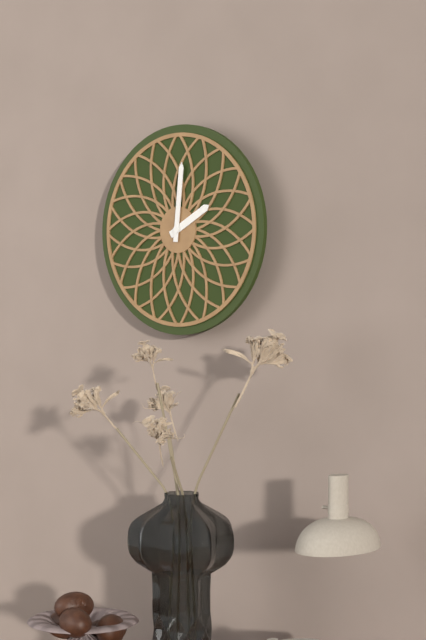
2:01
